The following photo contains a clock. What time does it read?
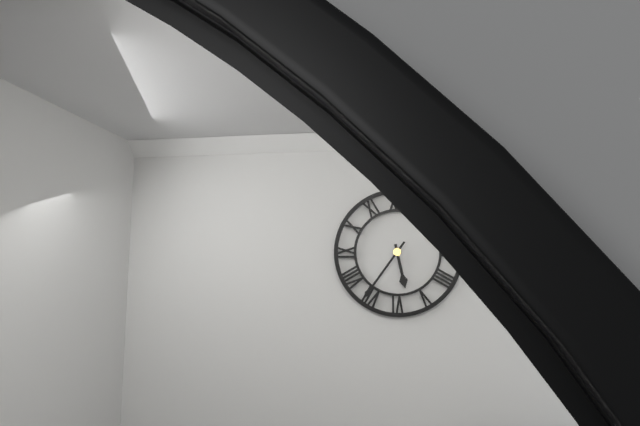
5:36
